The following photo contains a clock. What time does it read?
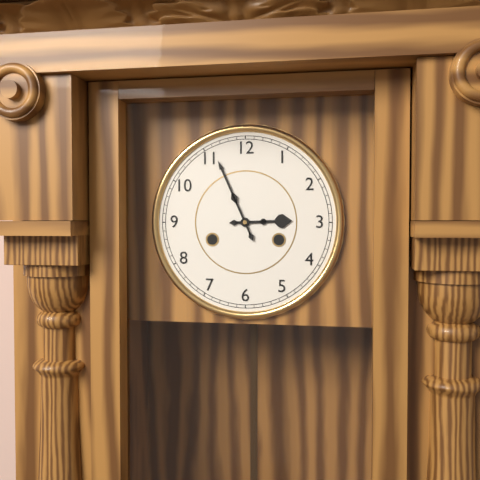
2:56
